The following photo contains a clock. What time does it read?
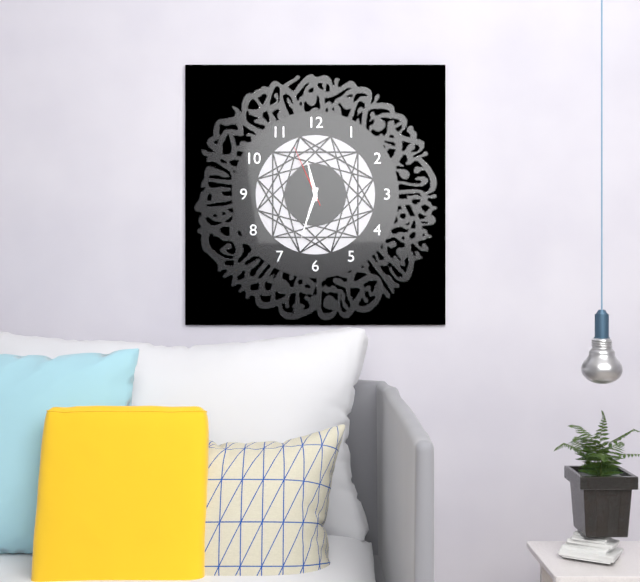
11:33:56
